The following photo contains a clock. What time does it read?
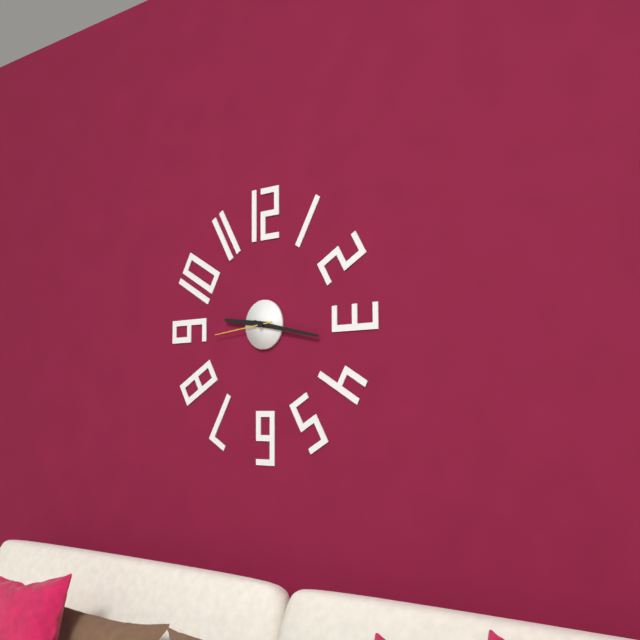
9:17:44
